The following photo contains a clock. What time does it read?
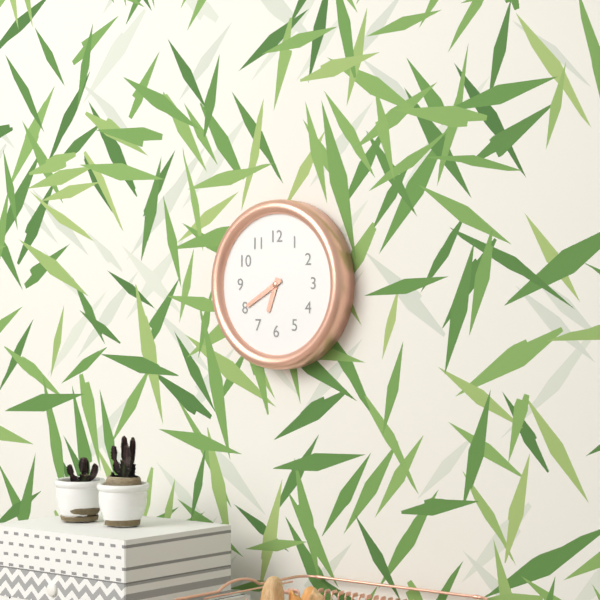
6:40
